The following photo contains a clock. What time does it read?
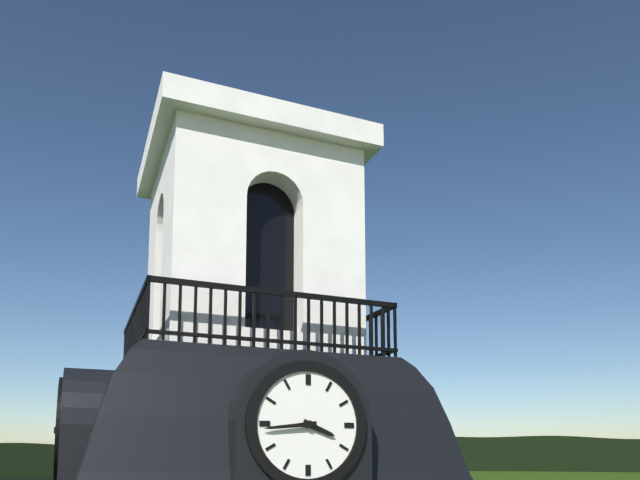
3:44
